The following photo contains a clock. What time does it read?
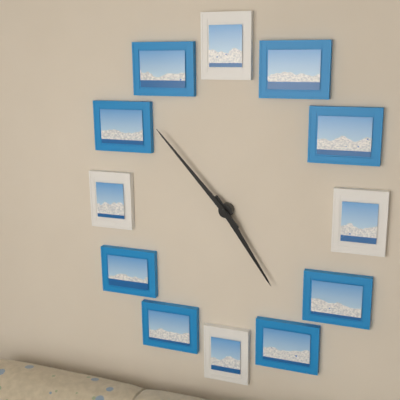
4:53
